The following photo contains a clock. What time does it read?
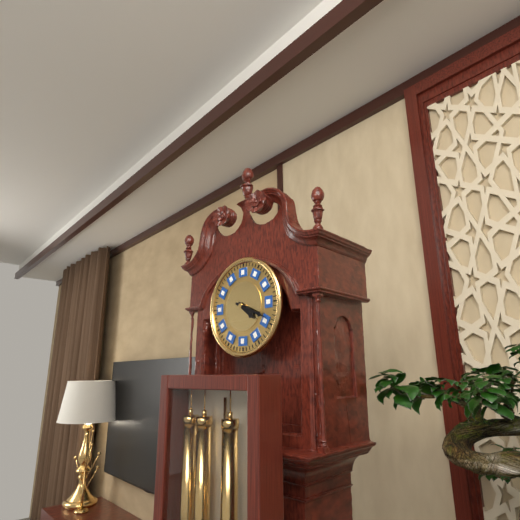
4:19
